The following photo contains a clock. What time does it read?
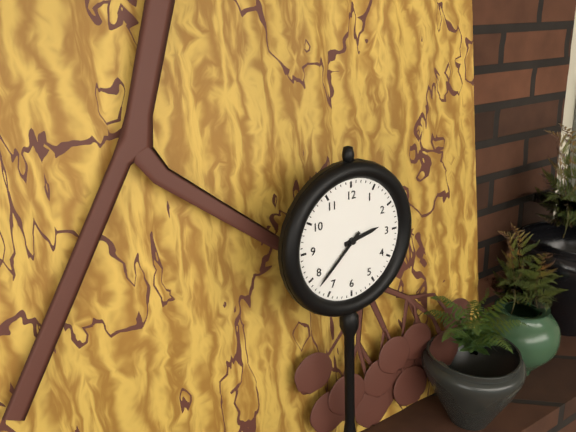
2:38
